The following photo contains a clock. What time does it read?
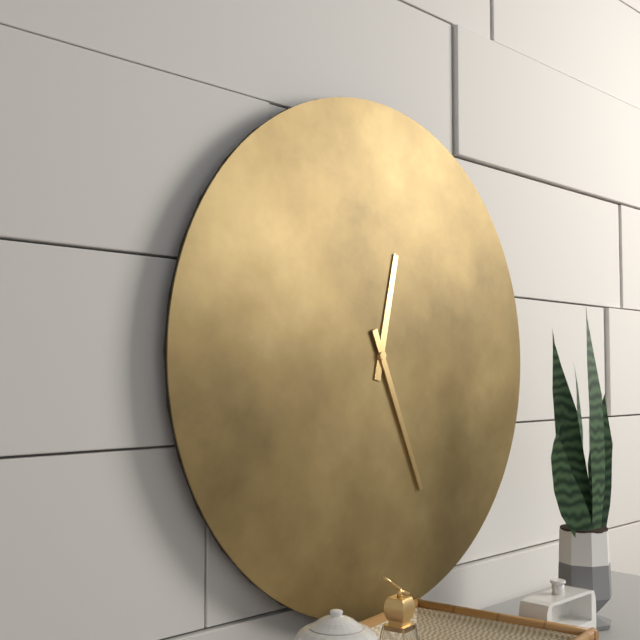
12:26
